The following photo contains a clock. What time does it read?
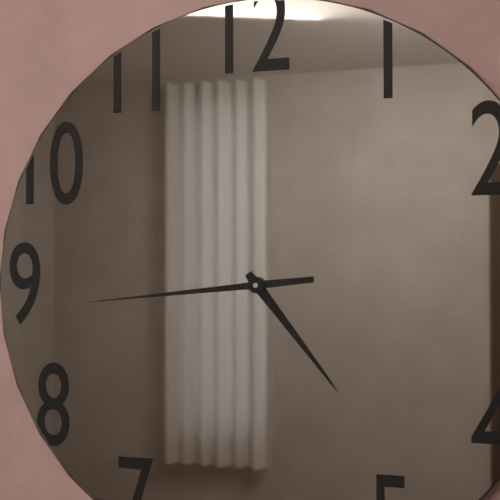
4:44
